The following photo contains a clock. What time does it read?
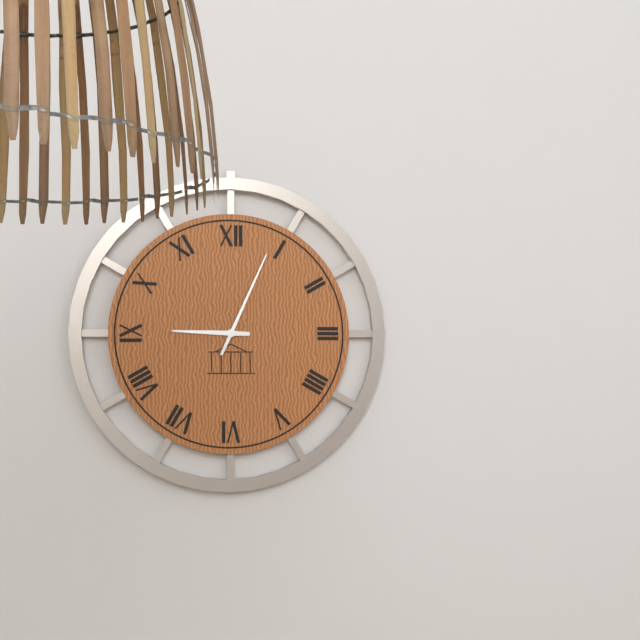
9:04
